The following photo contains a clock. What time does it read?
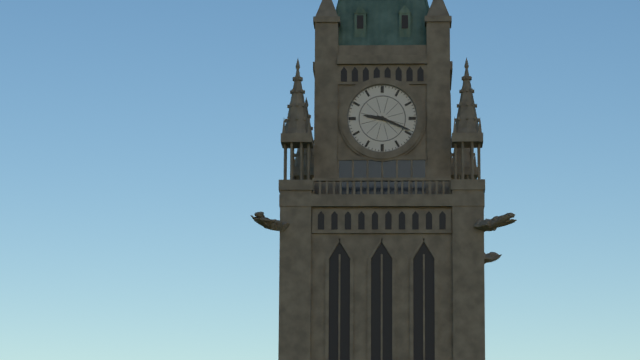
9:19
